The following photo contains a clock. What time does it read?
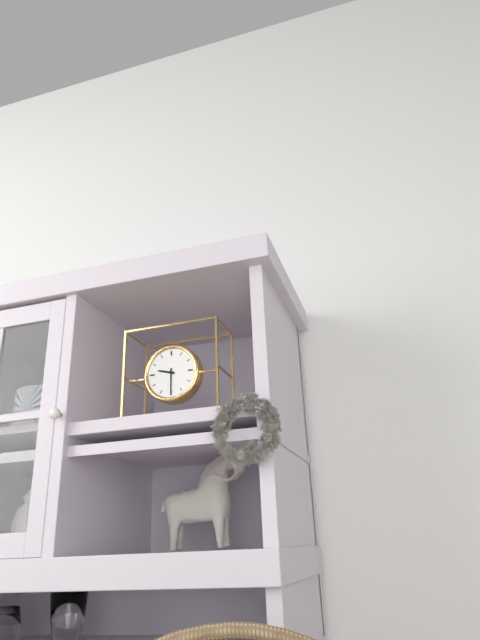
9:30
